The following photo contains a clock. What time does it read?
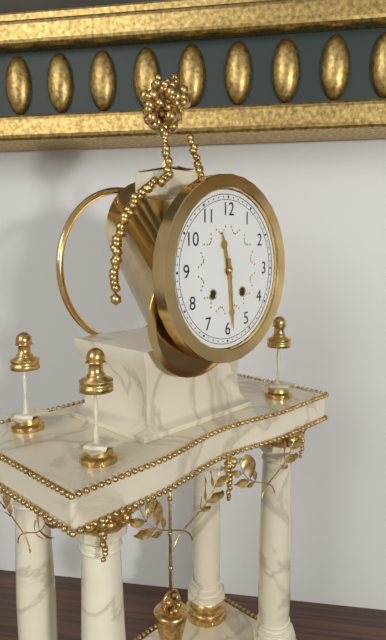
11:29
